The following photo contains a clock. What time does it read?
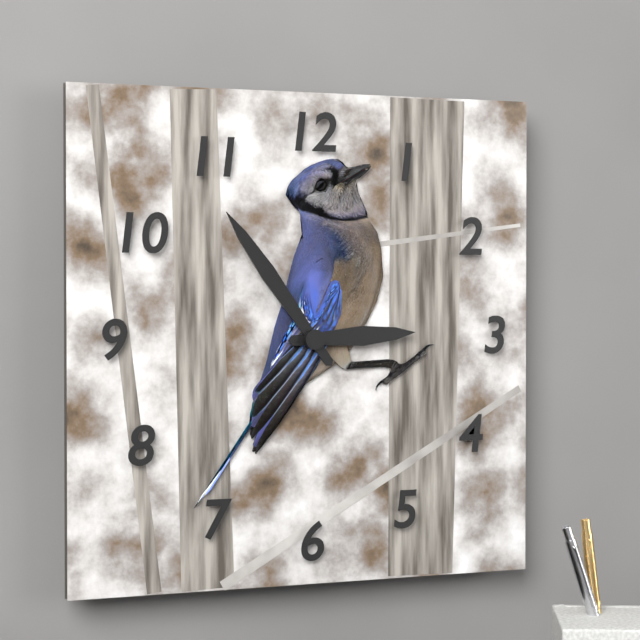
2:54
